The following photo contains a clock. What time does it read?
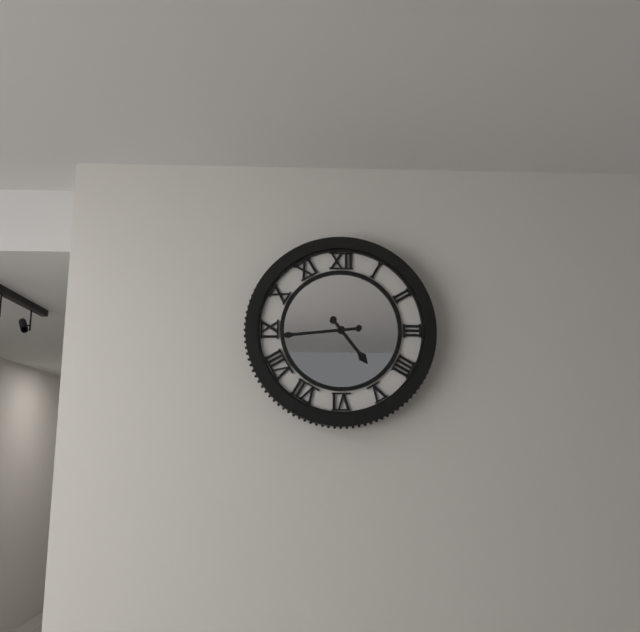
4:44
